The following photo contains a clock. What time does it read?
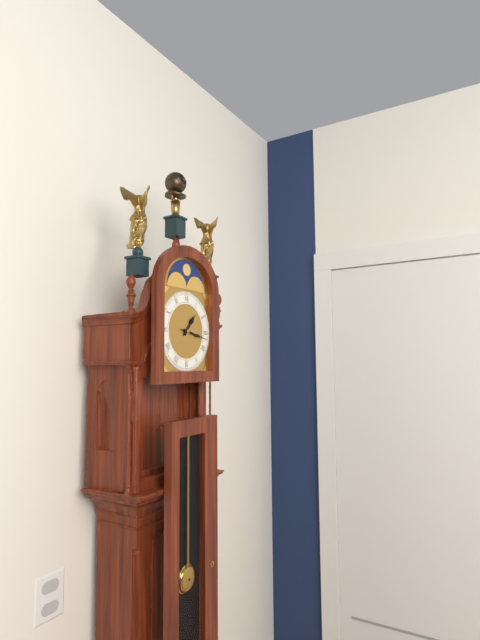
1:17
